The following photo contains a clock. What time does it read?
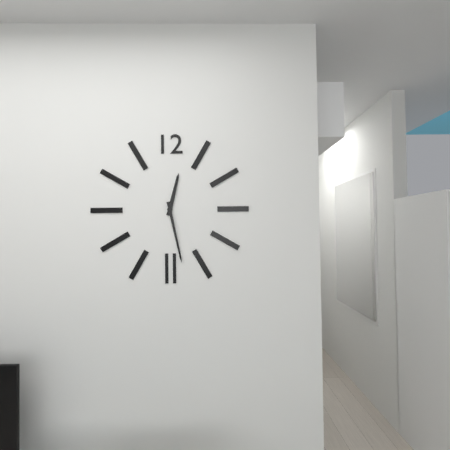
12:28
